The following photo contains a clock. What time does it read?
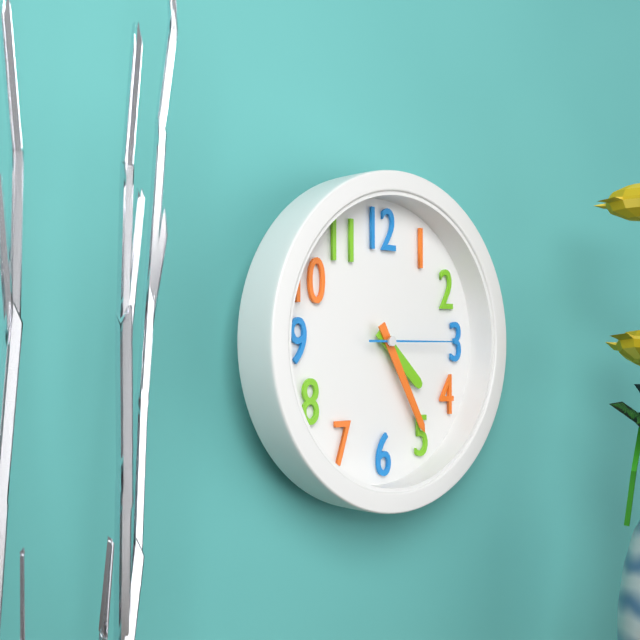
4:25:15
